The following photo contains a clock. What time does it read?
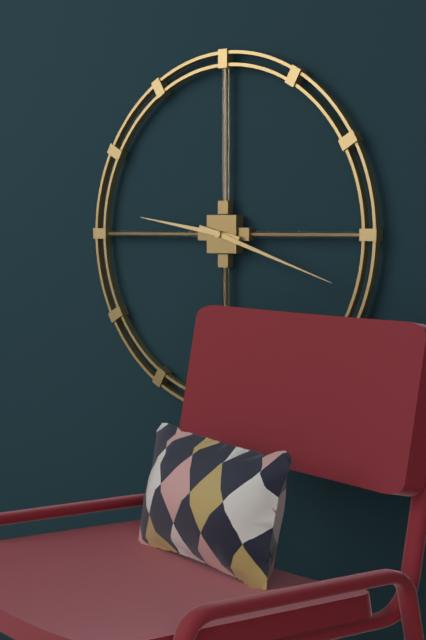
9:18
